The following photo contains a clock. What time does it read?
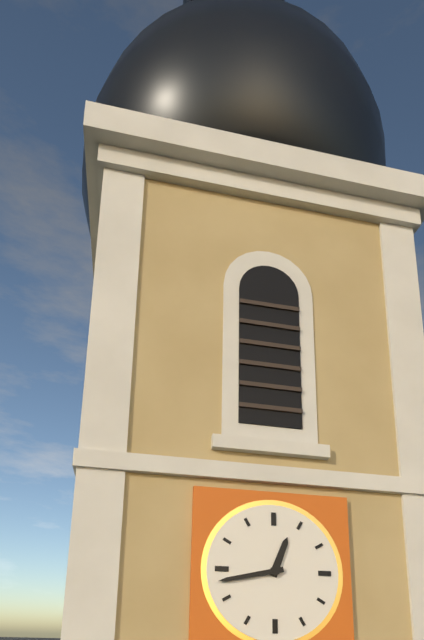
12:43
